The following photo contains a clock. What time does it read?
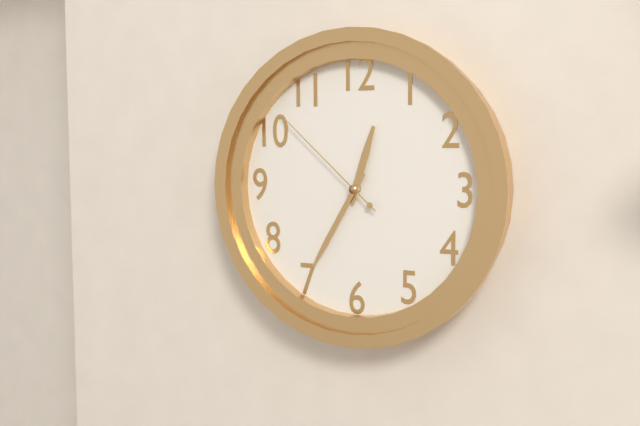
12:35:52
